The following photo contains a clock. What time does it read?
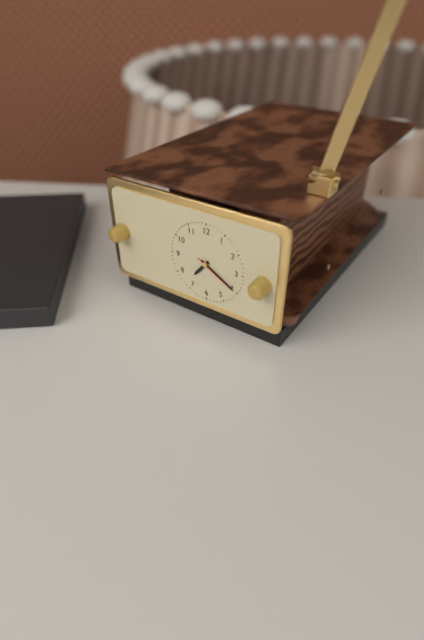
7:20
